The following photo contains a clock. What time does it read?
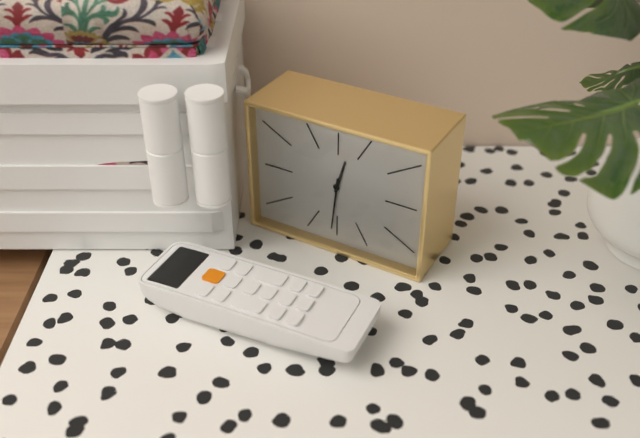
12:31
